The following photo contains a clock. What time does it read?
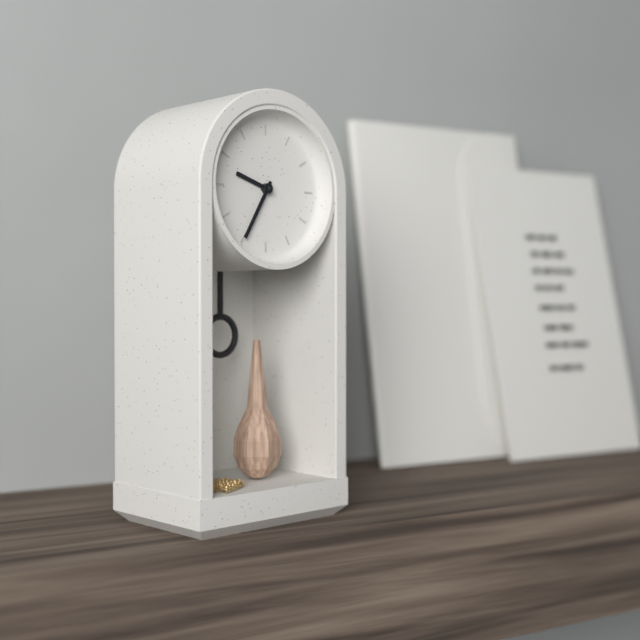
9:35
